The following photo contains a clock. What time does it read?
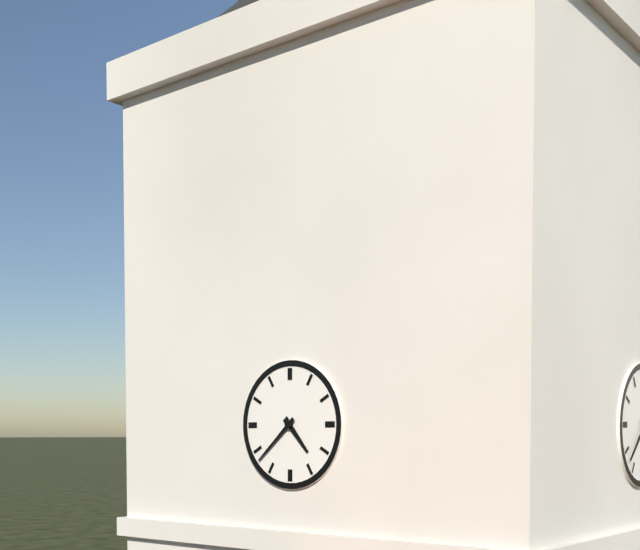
4:38
